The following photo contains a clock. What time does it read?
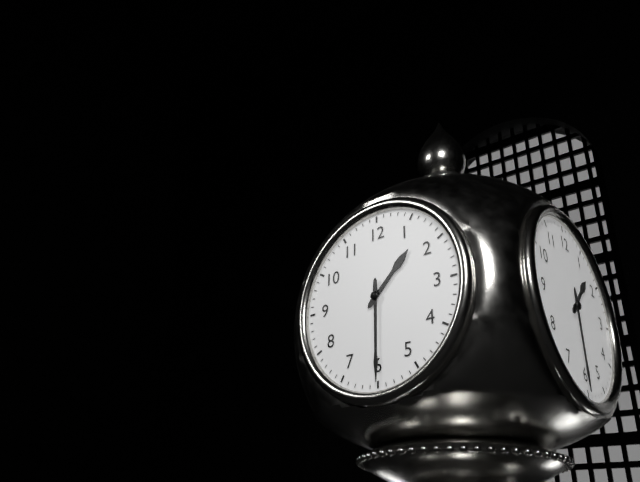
1:30
